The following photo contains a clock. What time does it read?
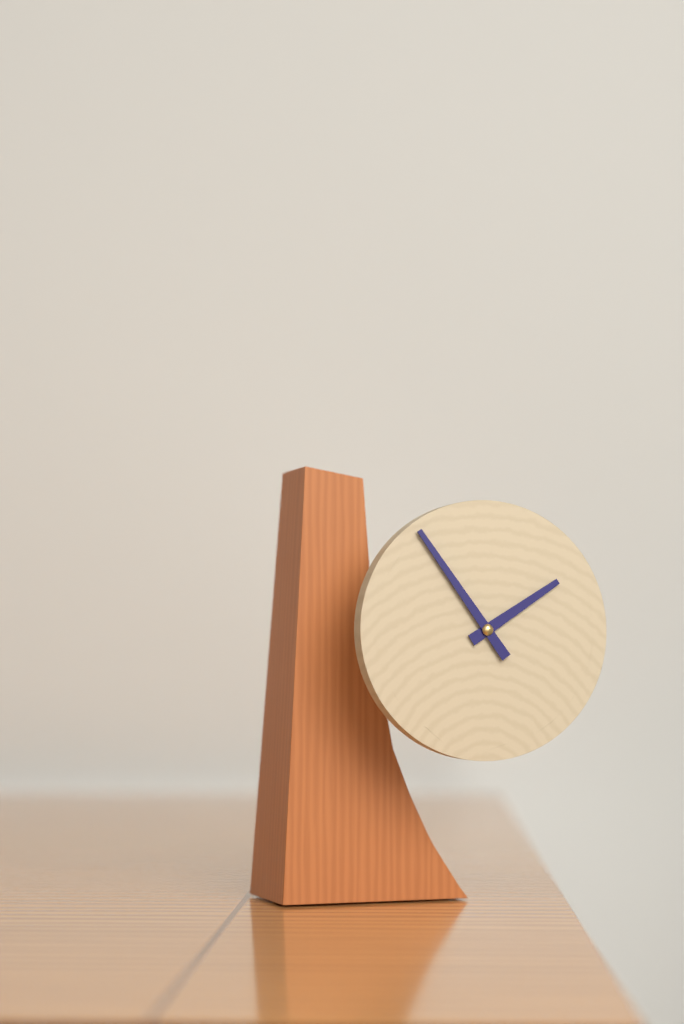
1:54
